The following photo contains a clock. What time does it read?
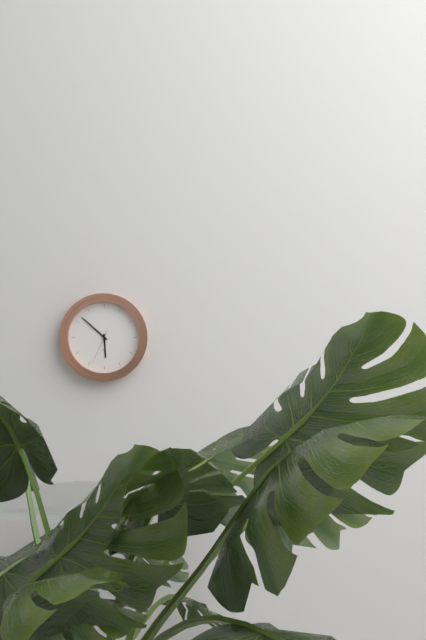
5:52
